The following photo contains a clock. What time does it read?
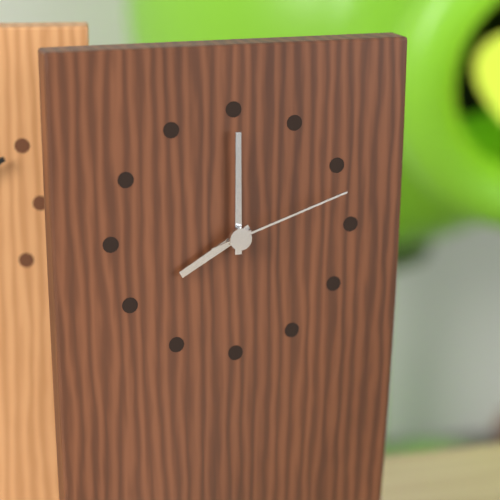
8:00:12
